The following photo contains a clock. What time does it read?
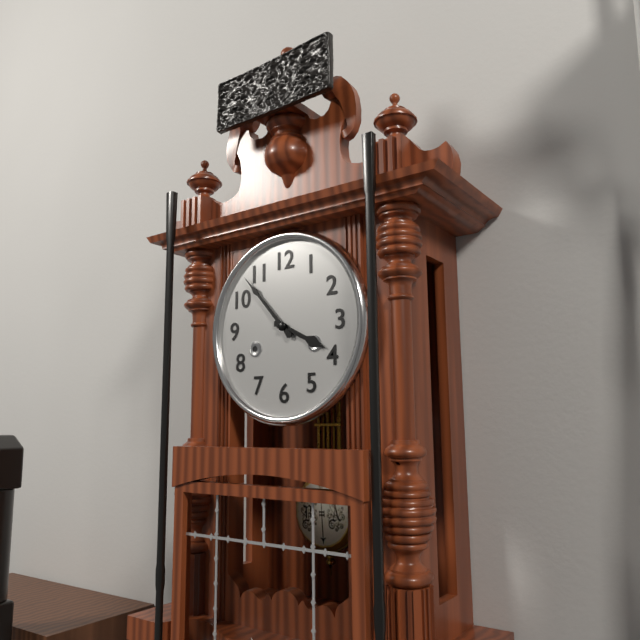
3:53
